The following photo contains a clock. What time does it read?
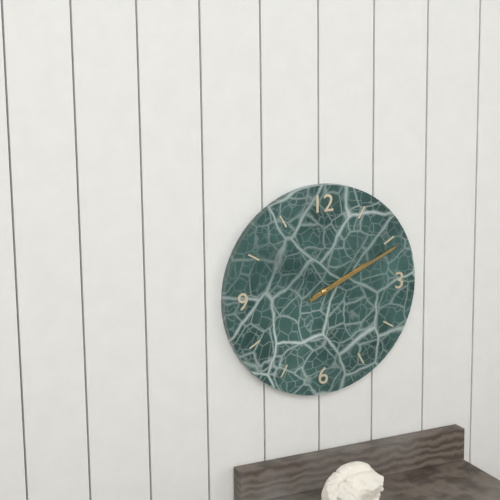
2:11
